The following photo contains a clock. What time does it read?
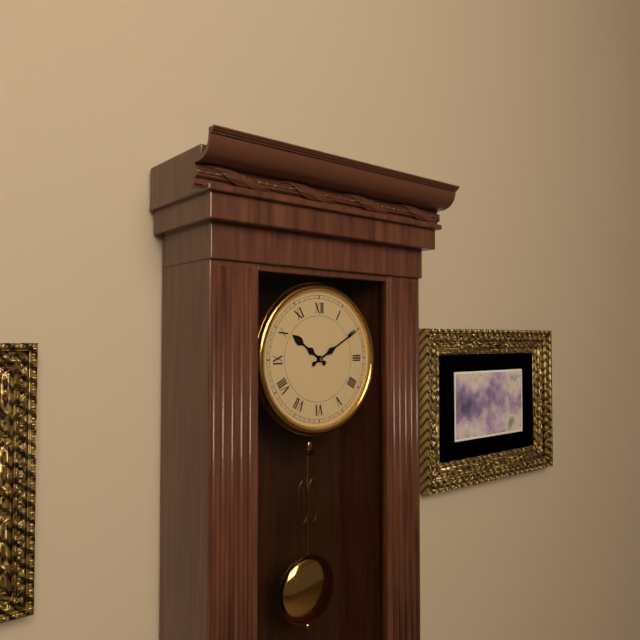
10:10
